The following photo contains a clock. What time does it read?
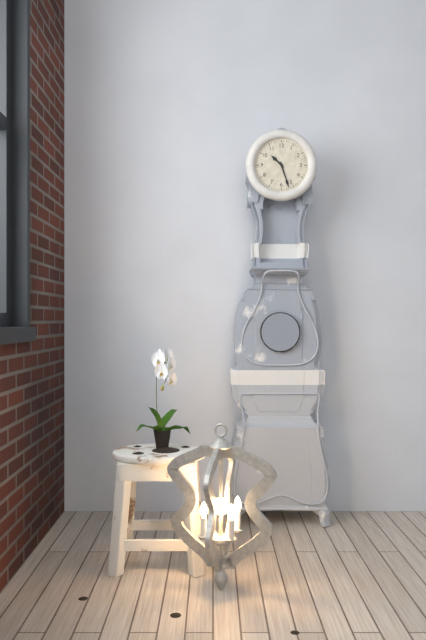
10:27
